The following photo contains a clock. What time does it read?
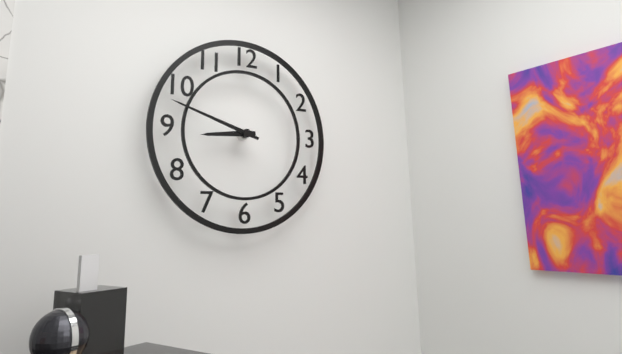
8:48
